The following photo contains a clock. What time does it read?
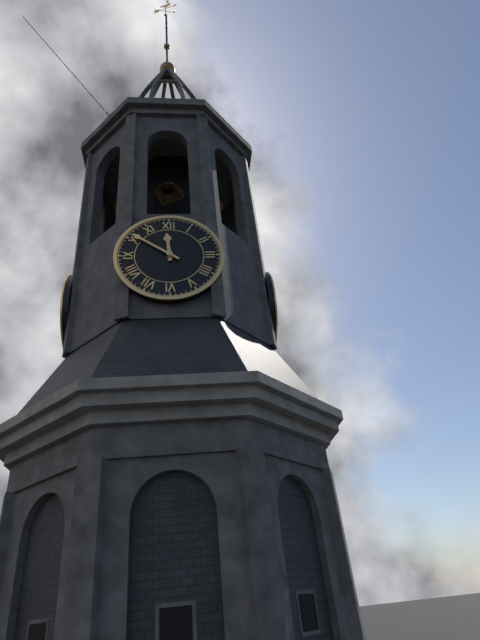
11:51
